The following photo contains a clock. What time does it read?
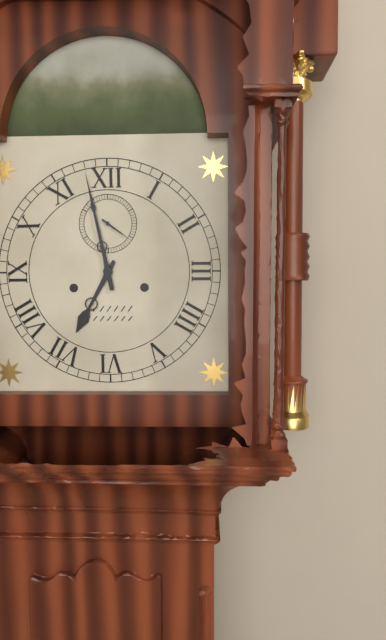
6:58
